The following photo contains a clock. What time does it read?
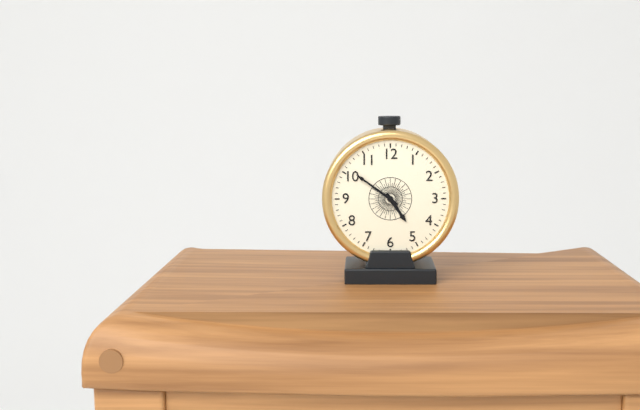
4:51
